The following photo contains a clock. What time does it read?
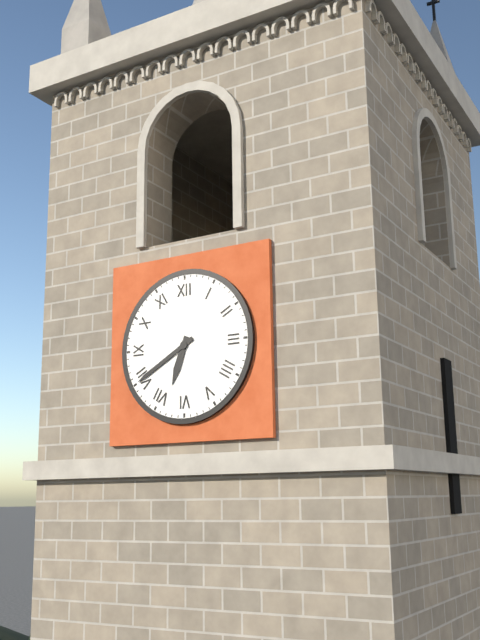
6:40
